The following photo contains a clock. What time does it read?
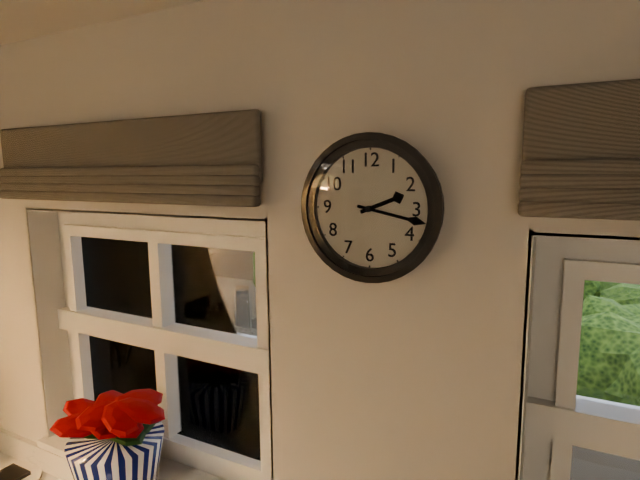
2:17
